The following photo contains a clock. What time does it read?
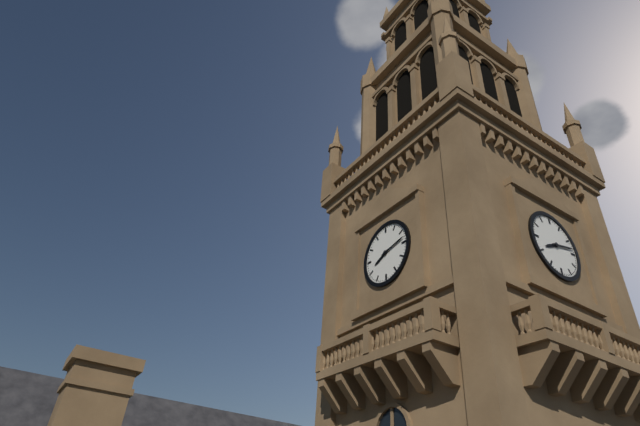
8:13
